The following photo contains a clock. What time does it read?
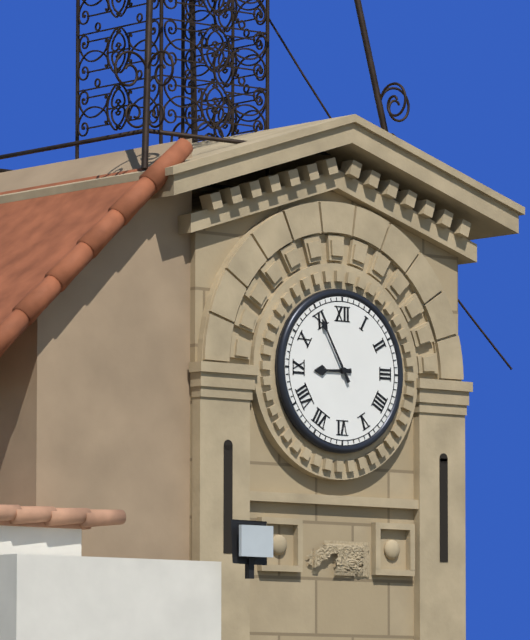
8:55
